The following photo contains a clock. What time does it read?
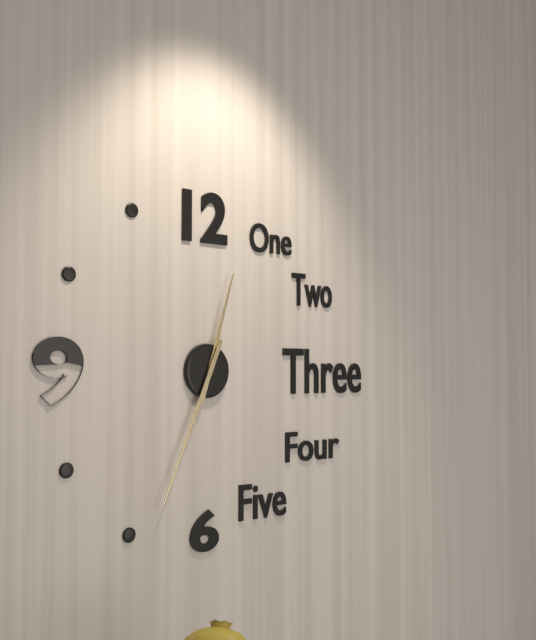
12:34
